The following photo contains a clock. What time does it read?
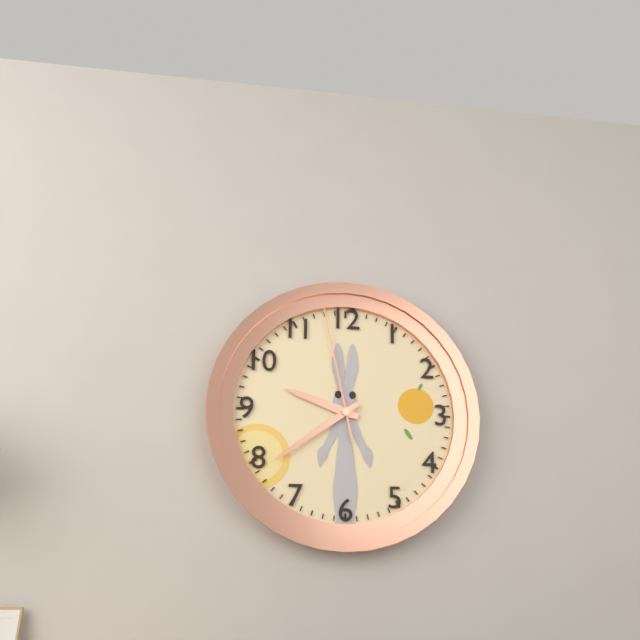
9:39:58
